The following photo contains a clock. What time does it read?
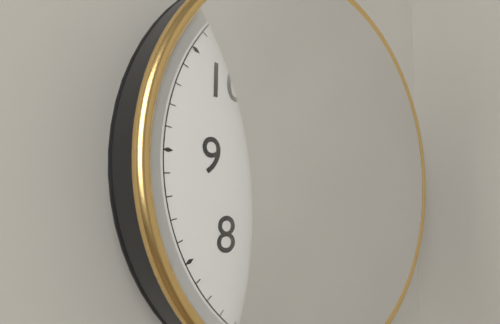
11:26
